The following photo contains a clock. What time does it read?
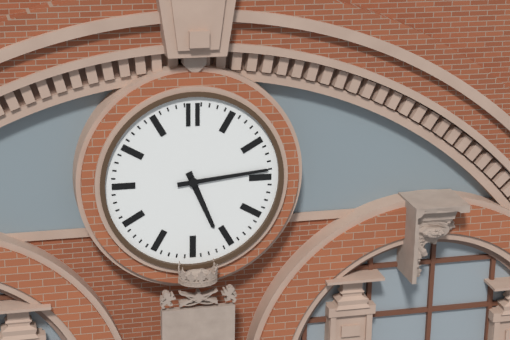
5:14
